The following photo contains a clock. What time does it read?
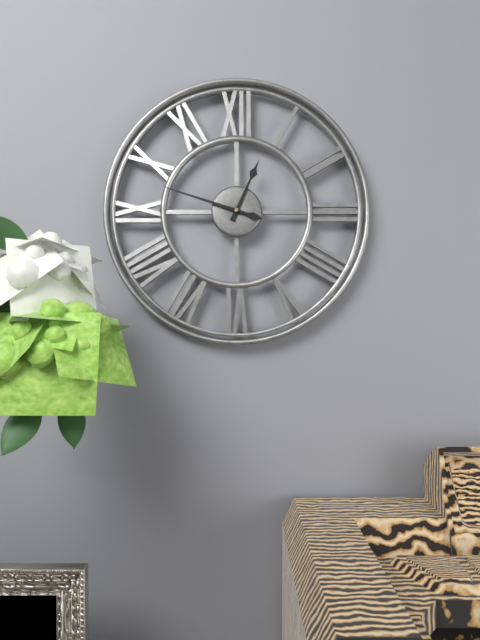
12:48
